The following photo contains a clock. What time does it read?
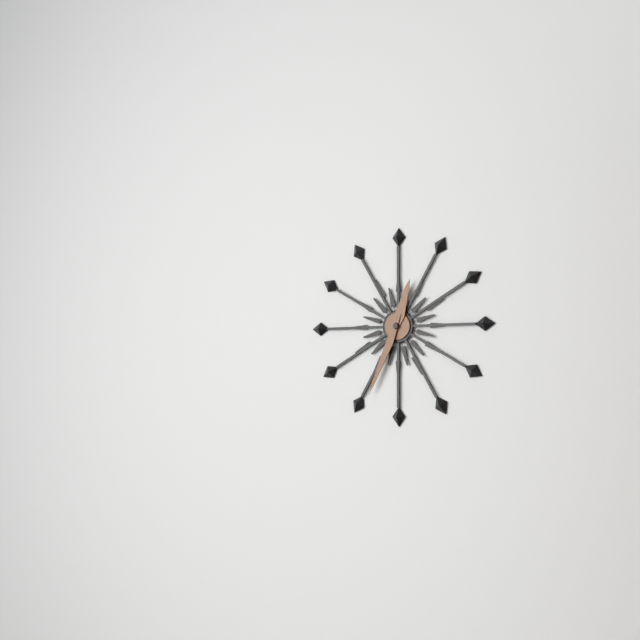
12:34
